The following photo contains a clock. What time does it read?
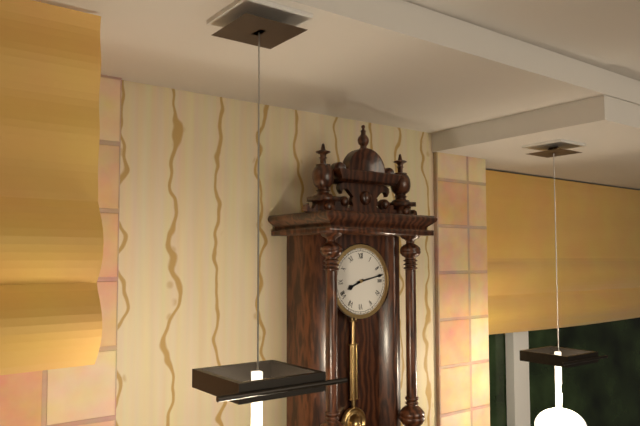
8:13
